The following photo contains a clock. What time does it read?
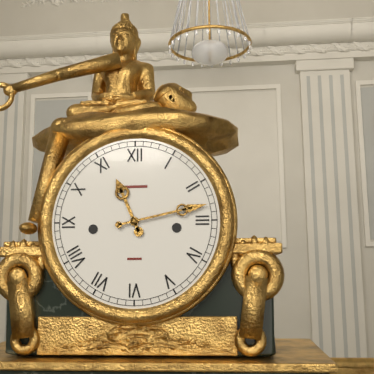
11:13
